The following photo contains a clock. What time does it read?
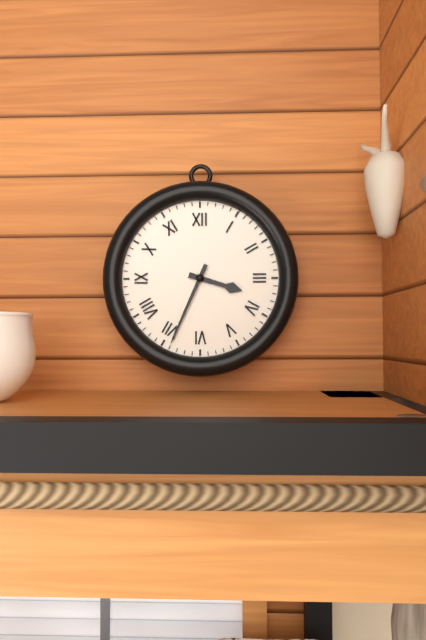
3:34
